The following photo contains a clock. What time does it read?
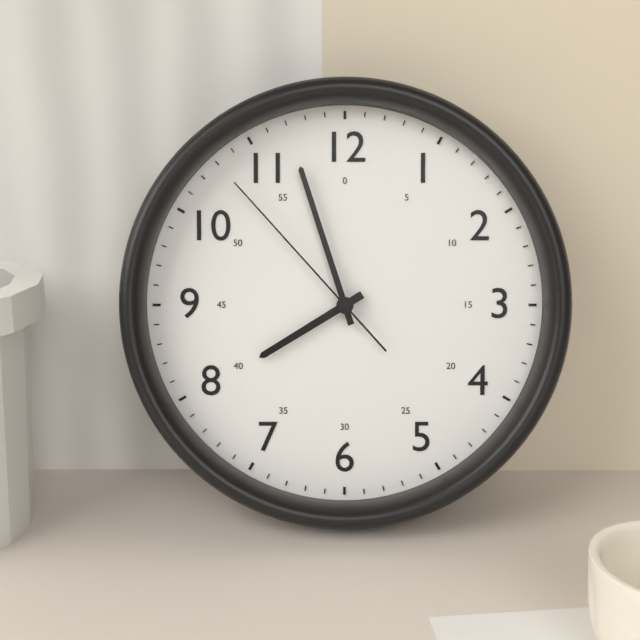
7:57:53
